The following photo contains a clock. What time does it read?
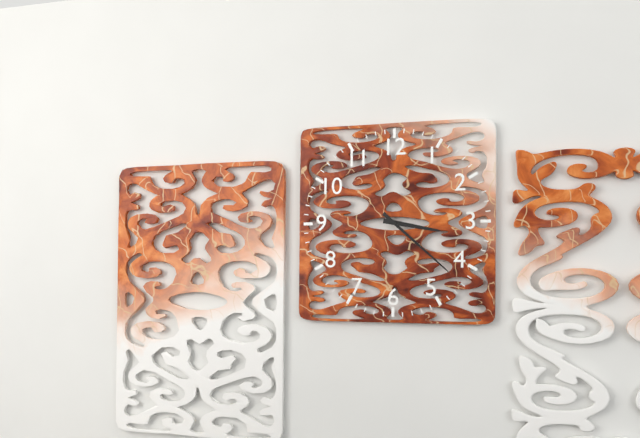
3:22
